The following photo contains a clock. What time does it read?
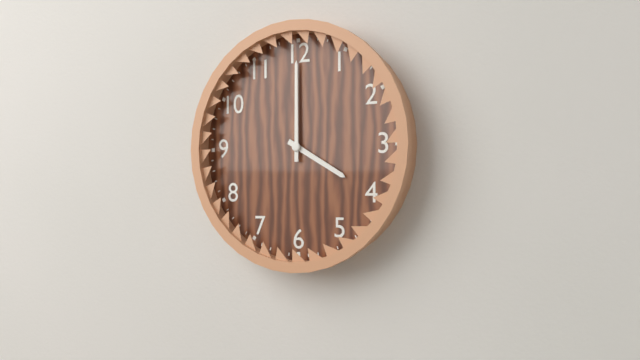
4:00
